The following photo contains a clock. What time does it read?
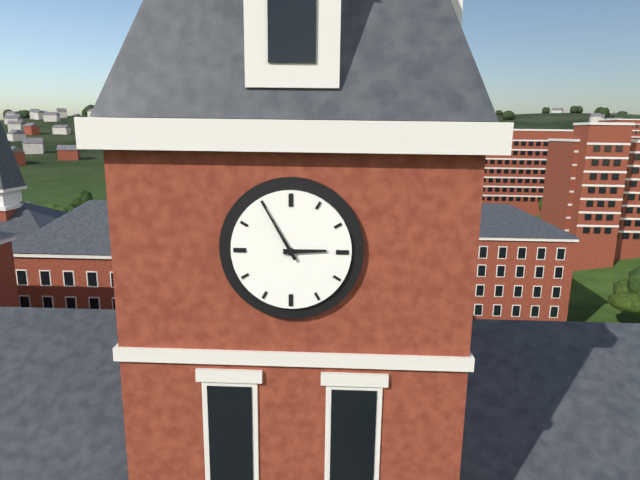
2:55
